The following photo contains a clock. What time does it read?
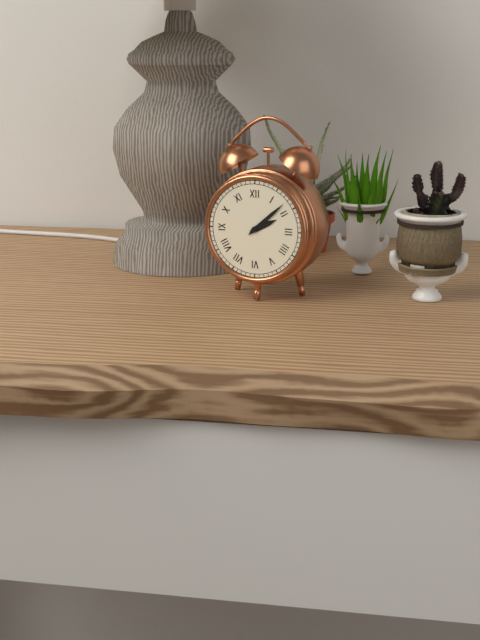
2:08
